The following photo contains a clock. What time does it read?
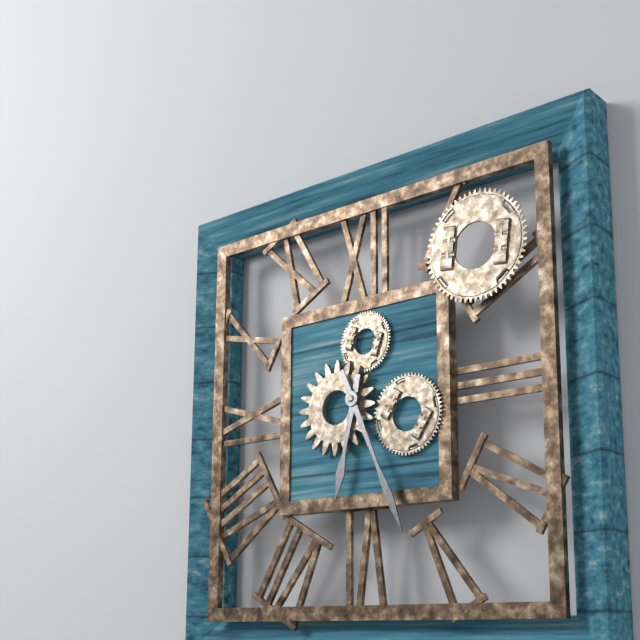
6:26
